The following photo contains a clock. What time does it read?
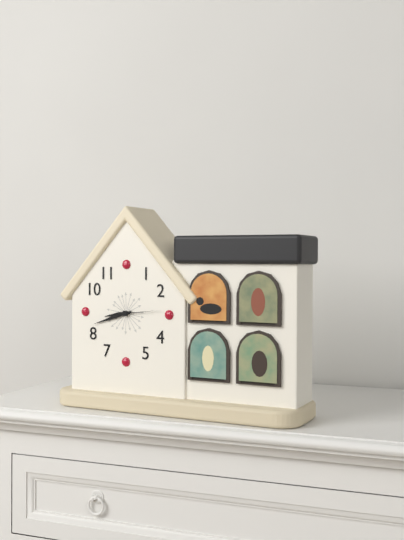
8:42
